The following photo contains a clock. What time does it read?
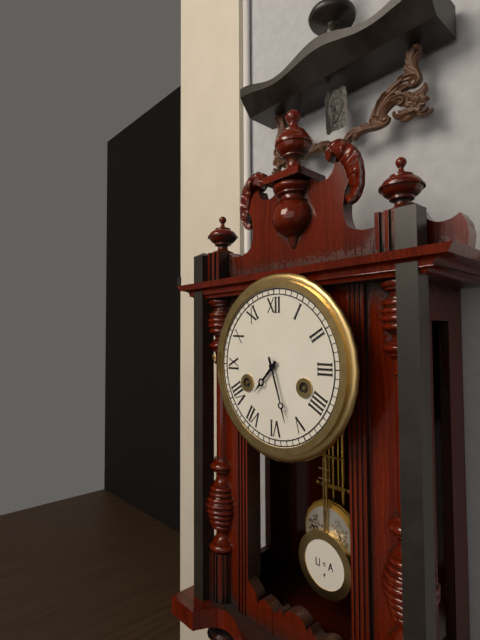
7:27
